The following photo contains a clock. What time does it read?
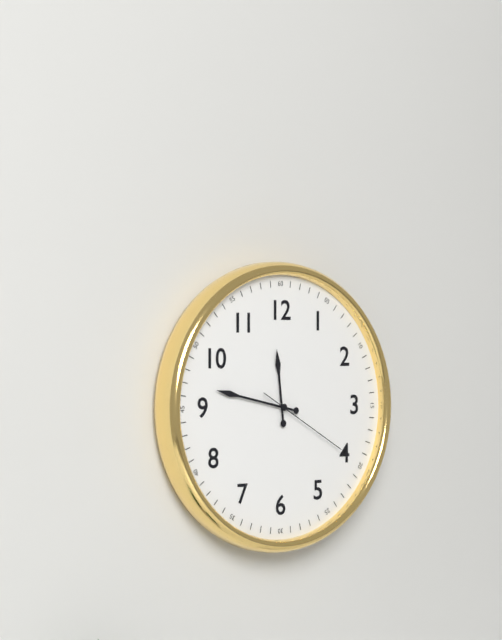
11:47:20
